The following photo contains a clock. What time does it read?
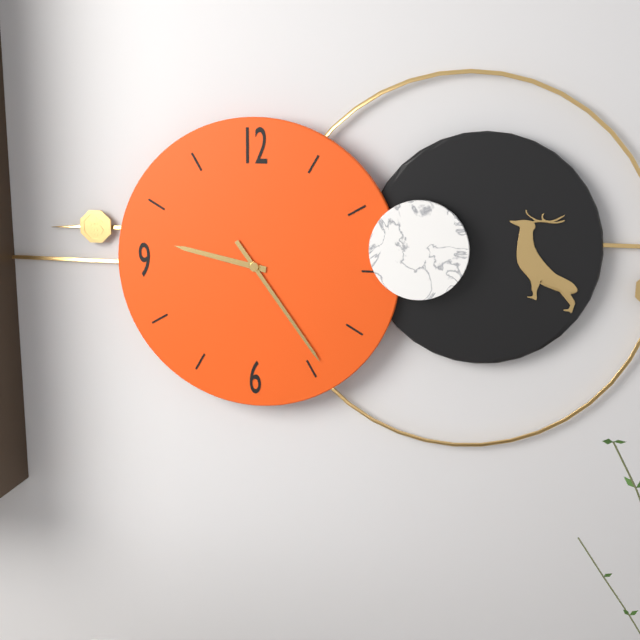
9:24
